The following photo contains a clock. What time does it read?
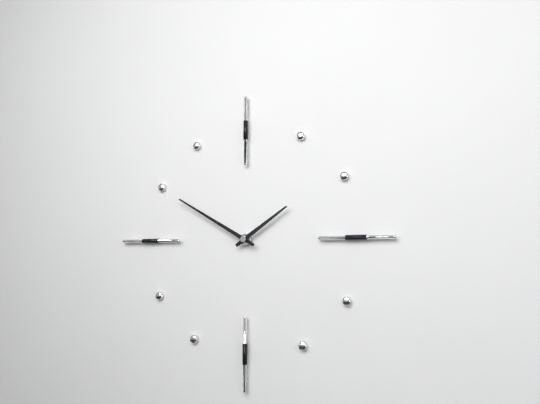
1:50
